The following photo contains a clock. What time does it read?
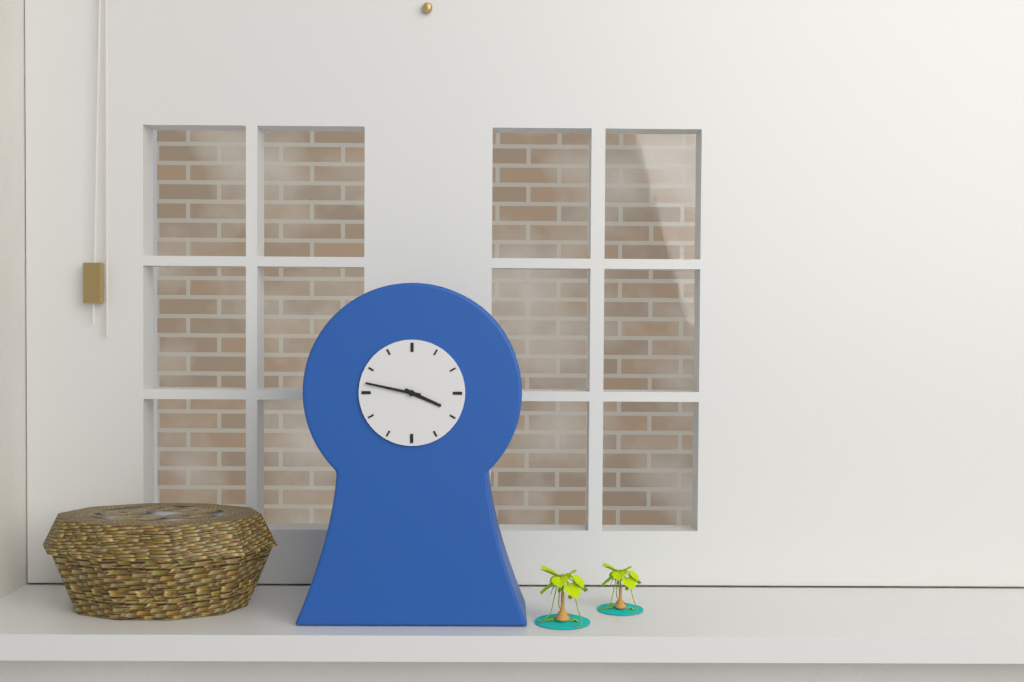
3:47
